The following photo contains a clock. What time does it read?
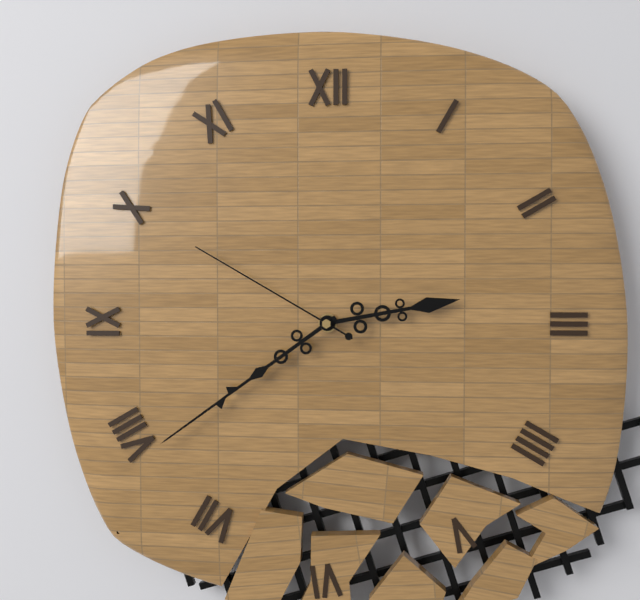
2:39:50
